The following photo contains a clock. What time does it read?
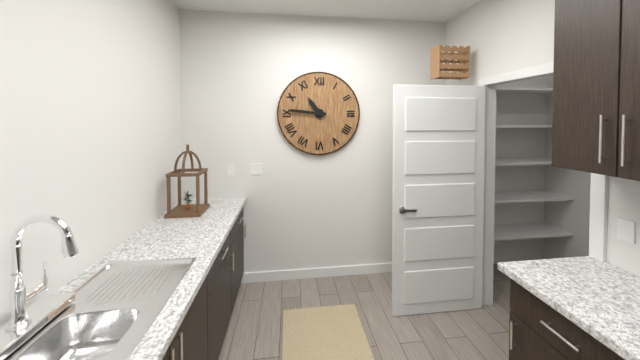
10:46
